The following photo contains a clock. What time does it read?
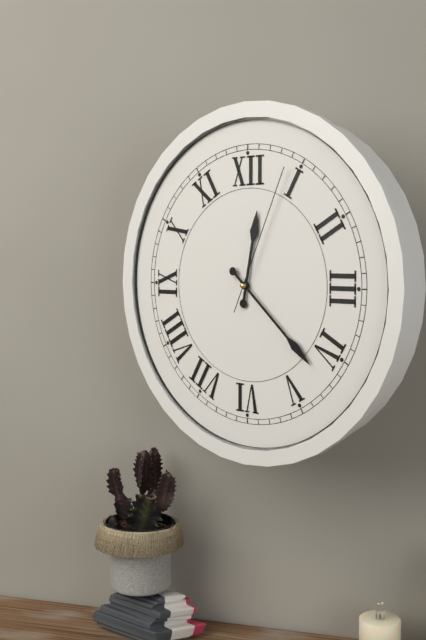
12:22:04
